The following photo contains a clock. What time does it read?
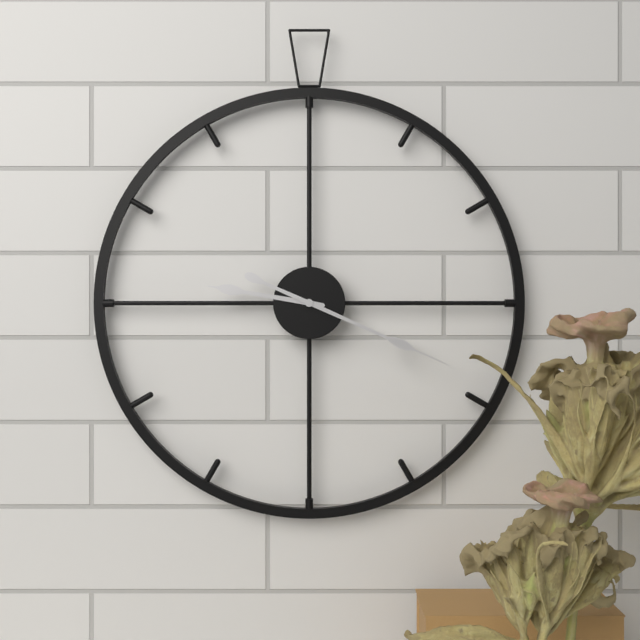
9:19
